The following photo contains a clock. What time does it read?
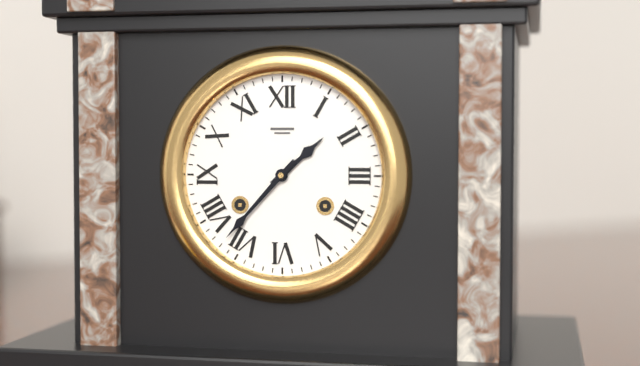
1:37
